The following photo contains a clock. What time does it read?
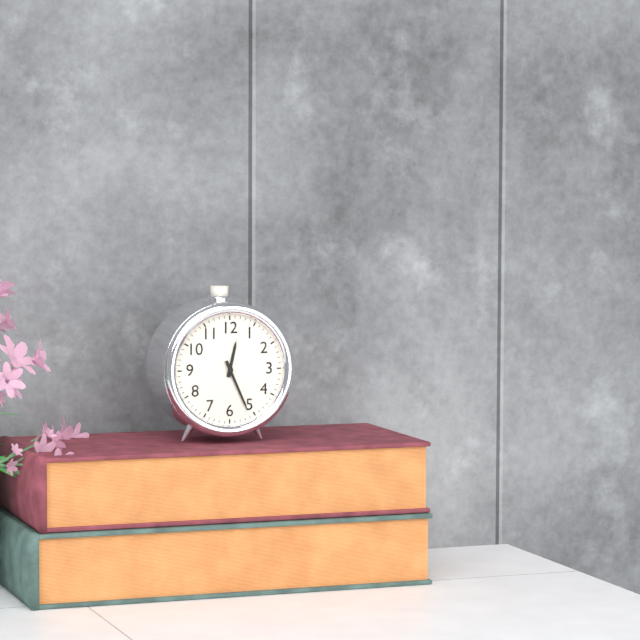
12:26
